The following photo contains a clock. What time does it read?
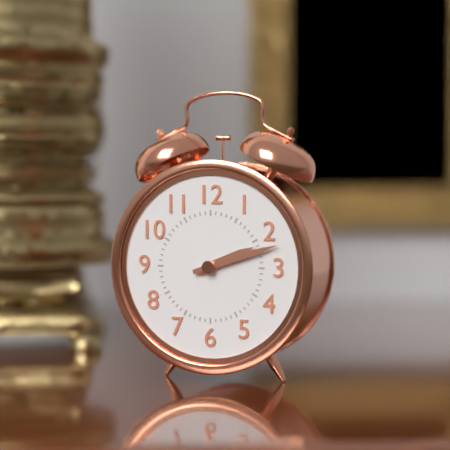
2:12
